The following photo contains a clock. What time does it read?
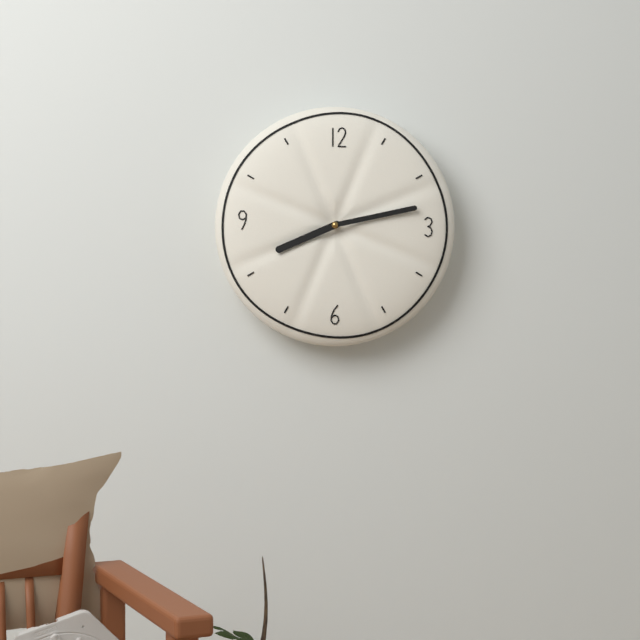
8:13
